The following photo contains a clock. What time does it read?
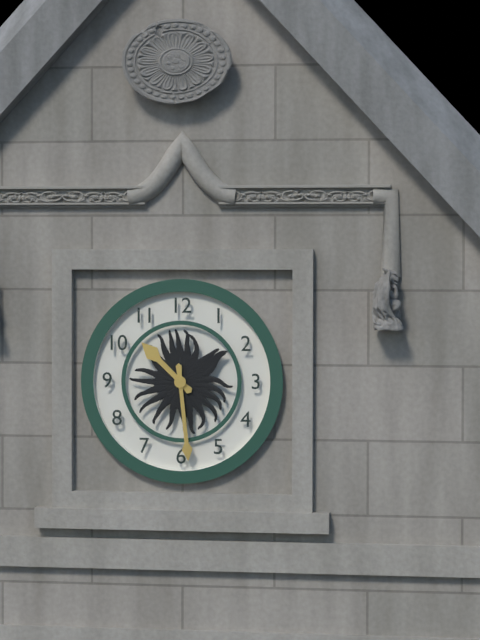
10:29
